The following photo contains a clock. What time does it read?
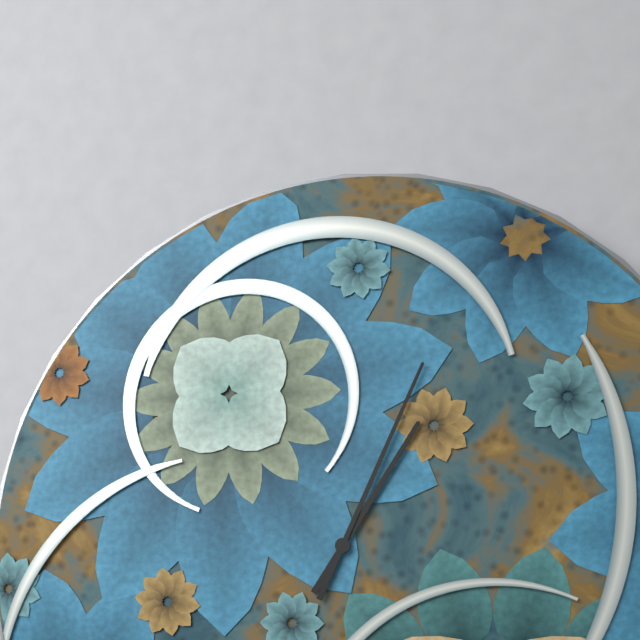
1:04
